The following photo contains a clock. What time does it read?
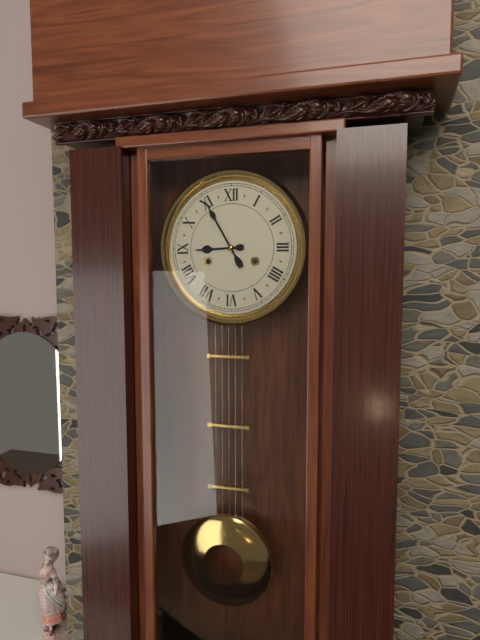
8:55
